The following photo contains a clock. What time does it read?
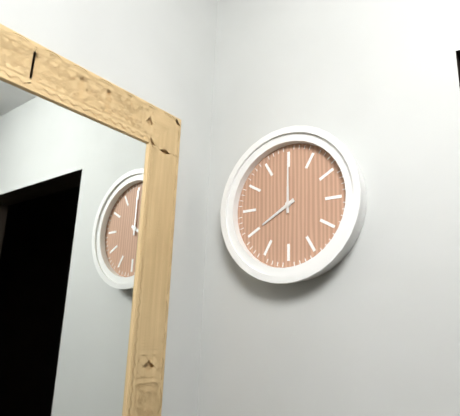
8:00
